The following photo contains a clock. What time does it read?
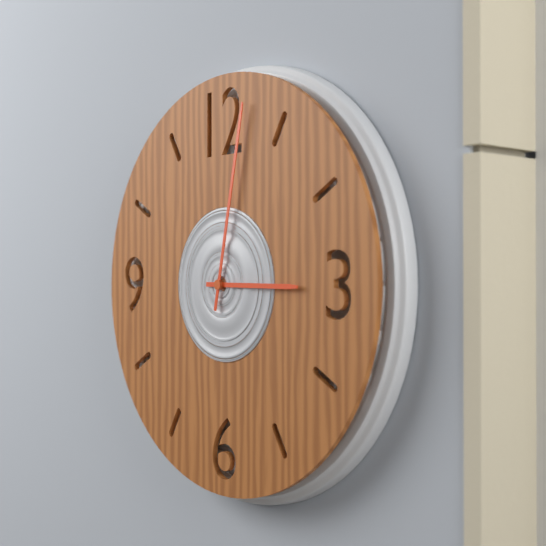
3:02
